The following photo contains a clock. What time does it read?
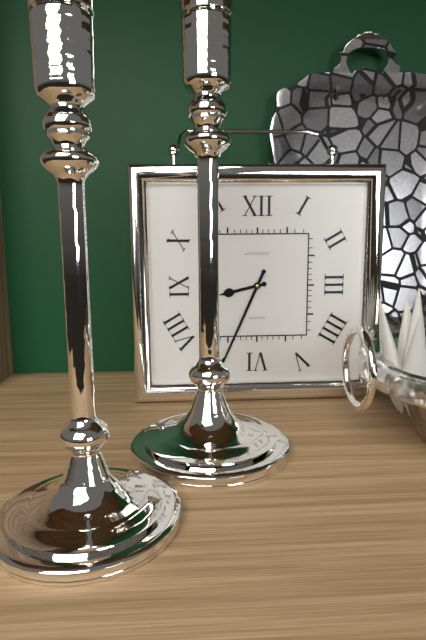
8:34
